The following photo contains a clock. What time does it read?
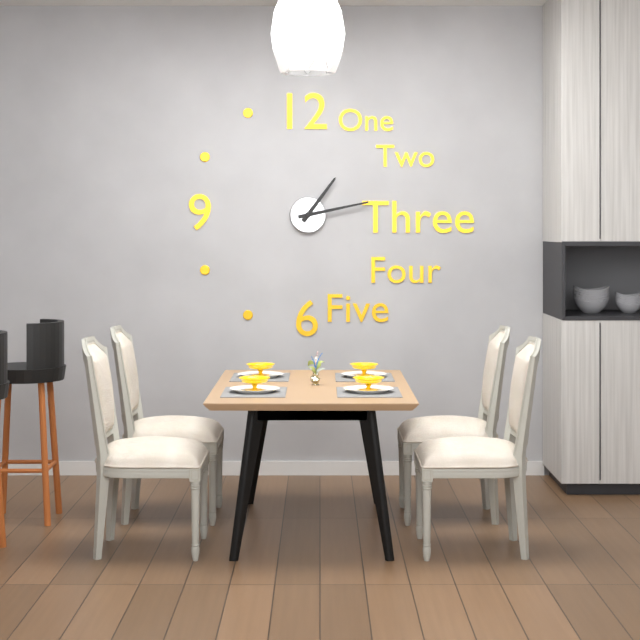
1:13
